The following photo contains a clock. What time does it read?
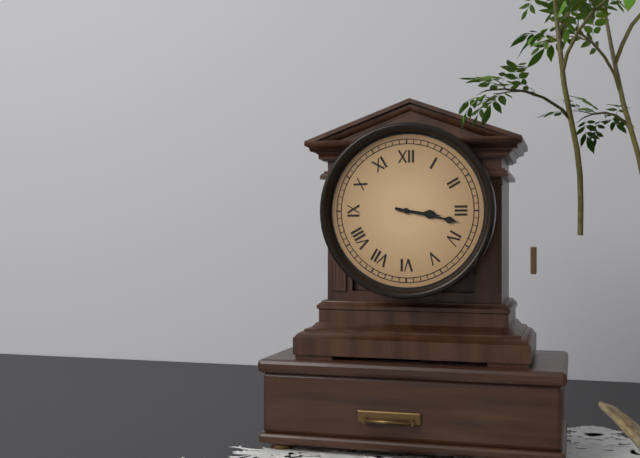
3:17
